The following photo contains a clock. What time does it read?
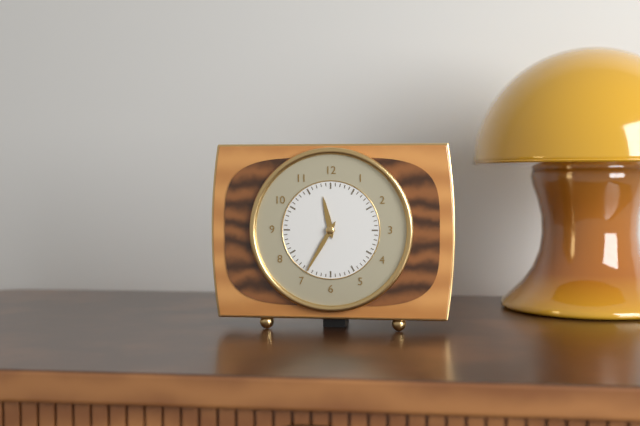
11:35
